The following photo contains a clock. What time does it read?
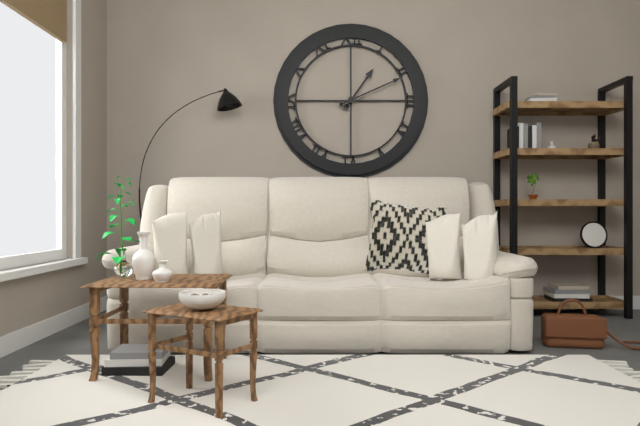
1:11
